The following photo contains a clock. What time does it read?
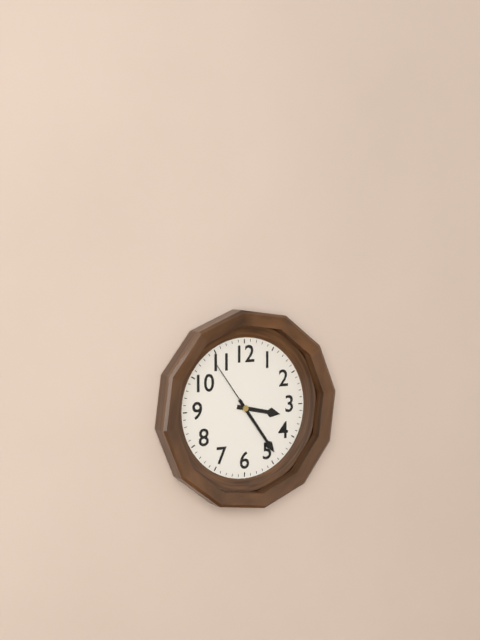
3:24:54
